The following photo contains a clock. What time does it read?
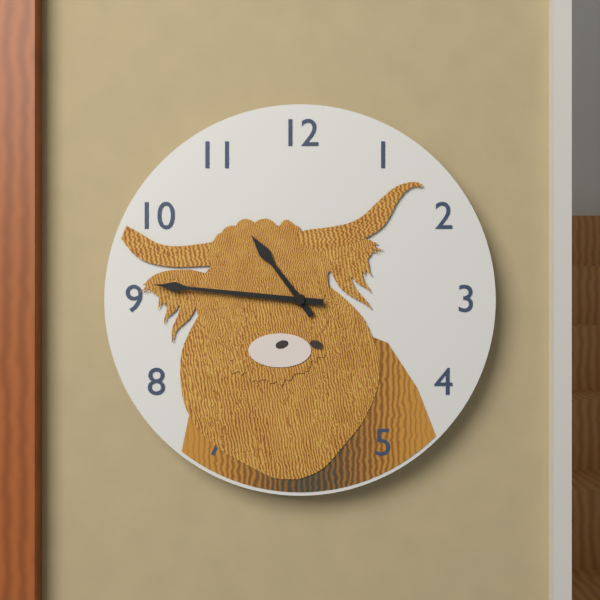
10:46
